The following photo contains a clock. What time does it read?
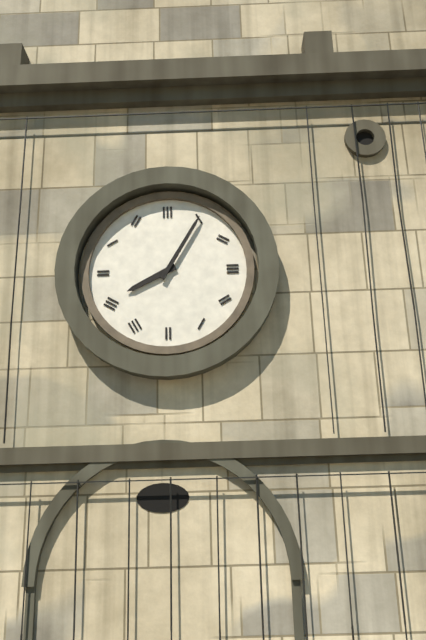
8:05
